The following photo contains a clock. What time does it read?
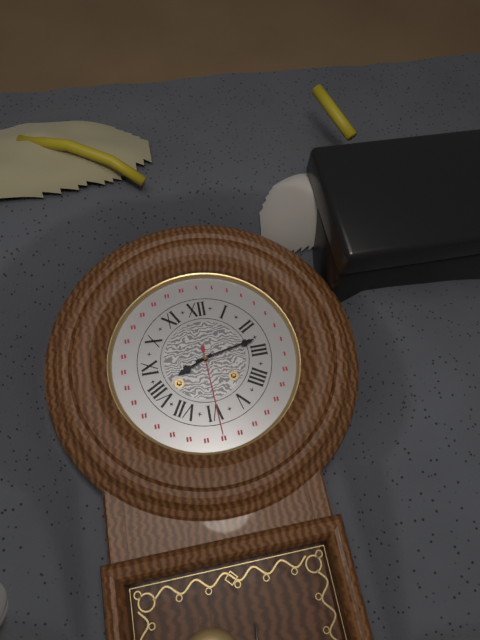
8:13
